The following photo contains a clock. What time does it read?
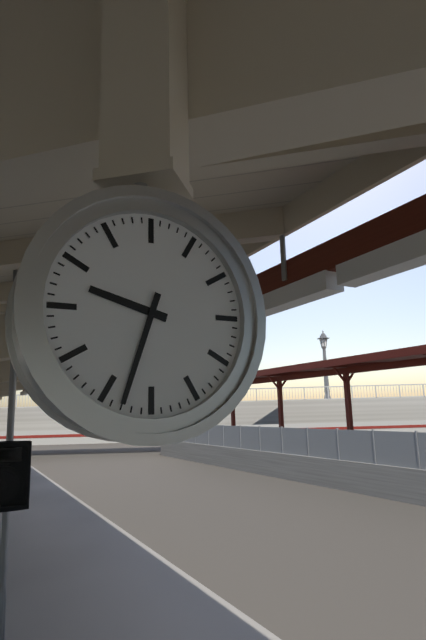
9:33
